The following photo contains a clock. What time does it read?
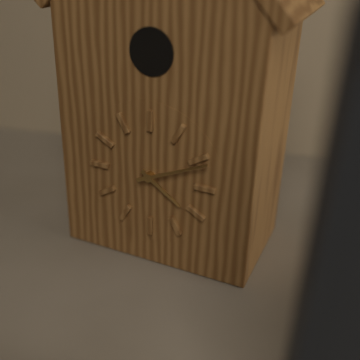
4:11
